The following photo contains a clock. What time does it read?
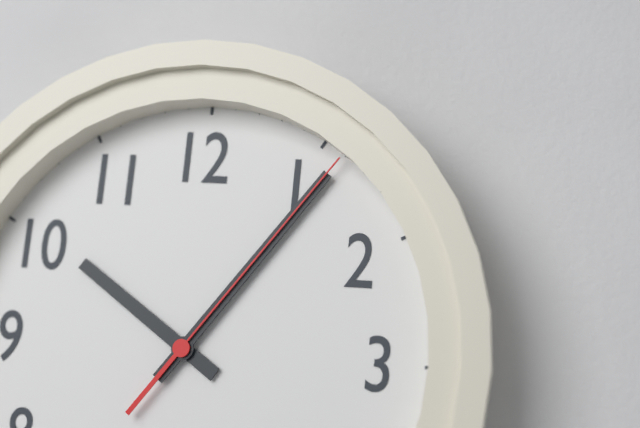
10:06:06
